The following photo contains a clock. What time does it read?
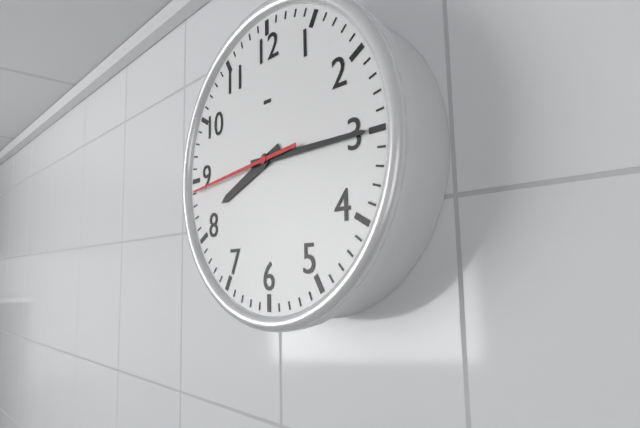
8:15:44
